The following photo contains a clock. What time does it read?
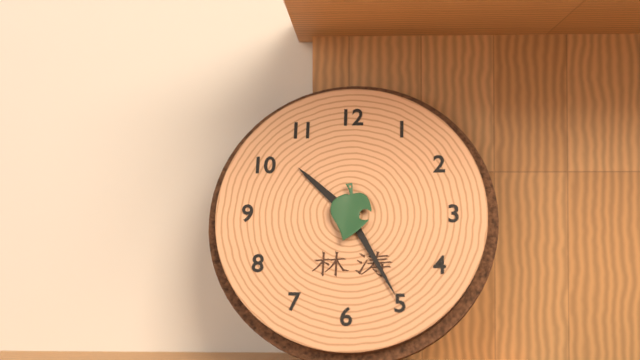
10:25
